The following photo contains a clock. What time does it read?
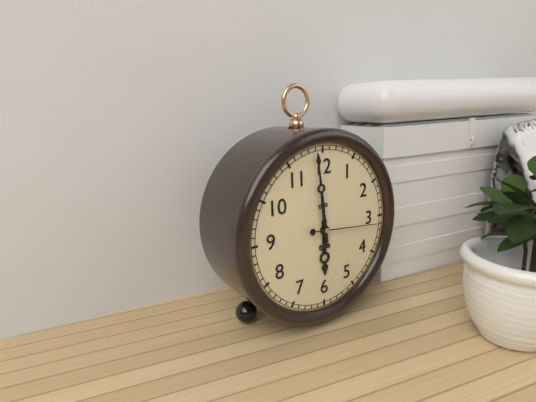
5:59:16
